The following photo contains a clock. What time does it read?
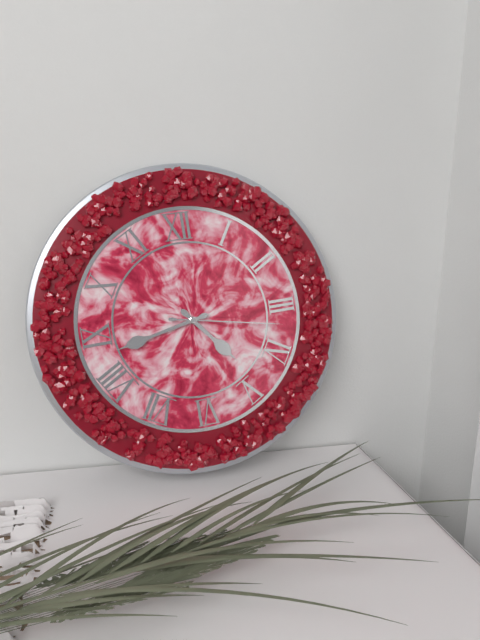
4:43:17
